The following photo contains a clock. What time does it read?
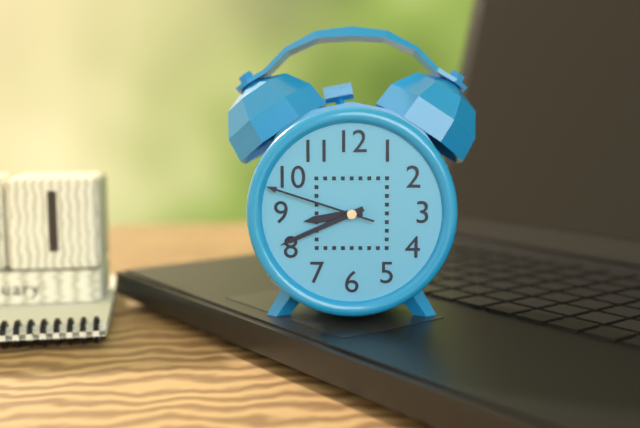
8:41:48
